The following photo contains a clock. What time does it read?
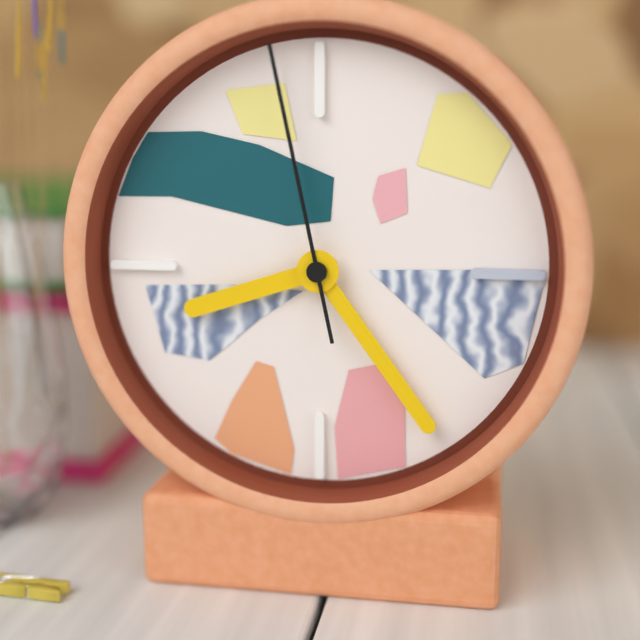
8:24:58
